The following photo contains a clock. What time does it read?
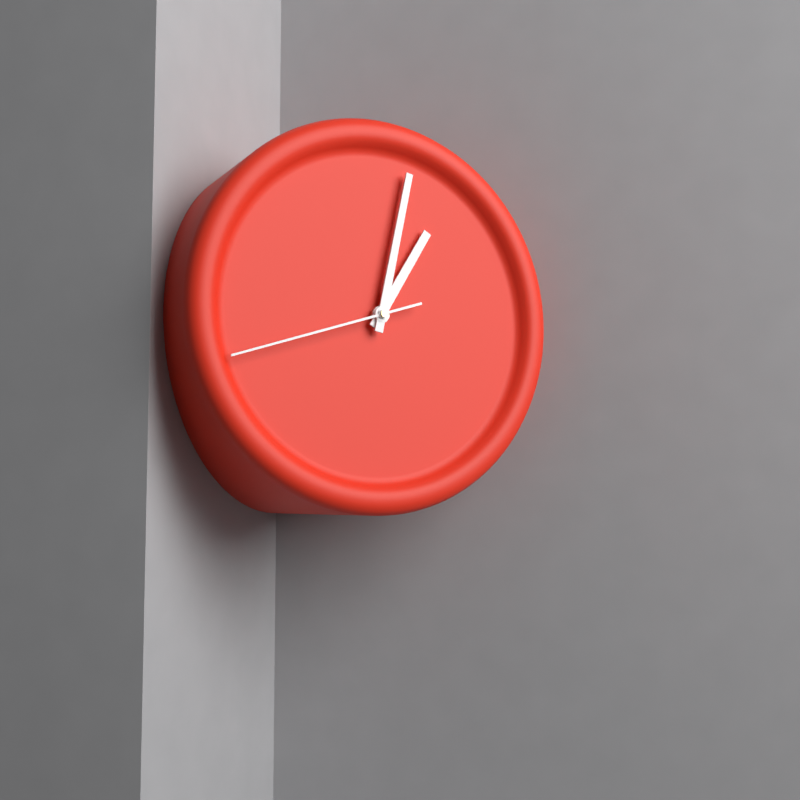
1:02:42
